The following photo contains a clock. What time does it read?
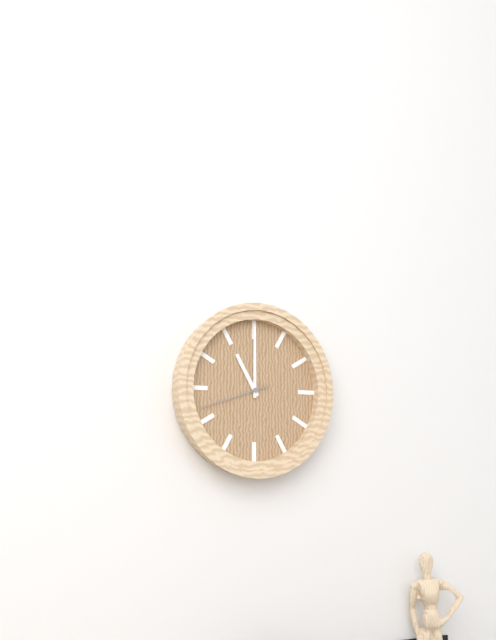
11:00:42
